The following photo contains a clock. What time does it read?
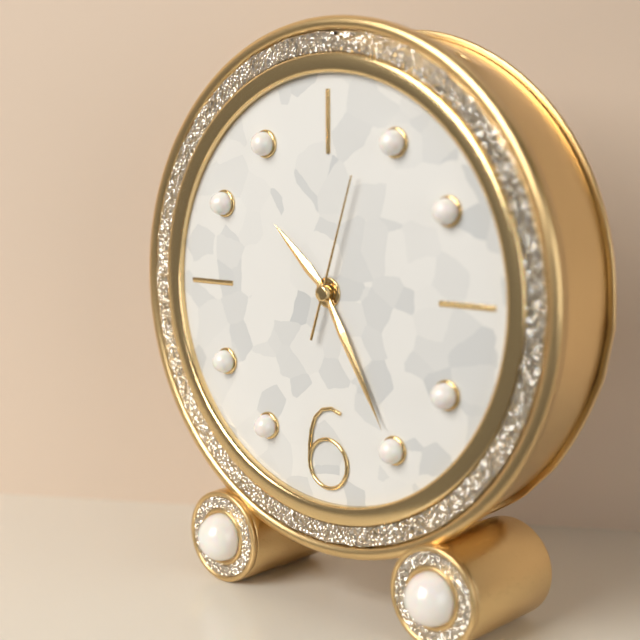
10:25:03
